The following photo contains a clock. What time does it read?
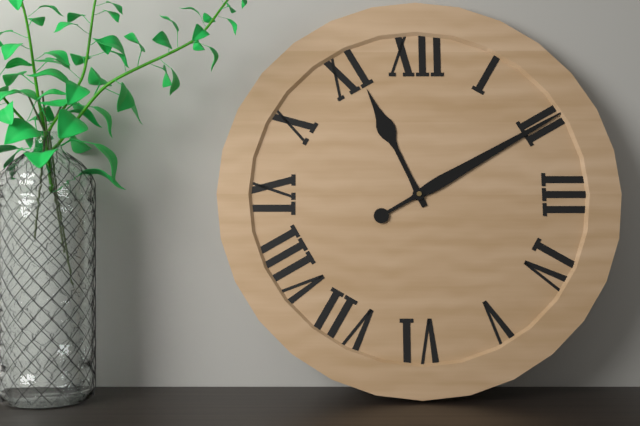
11:10
